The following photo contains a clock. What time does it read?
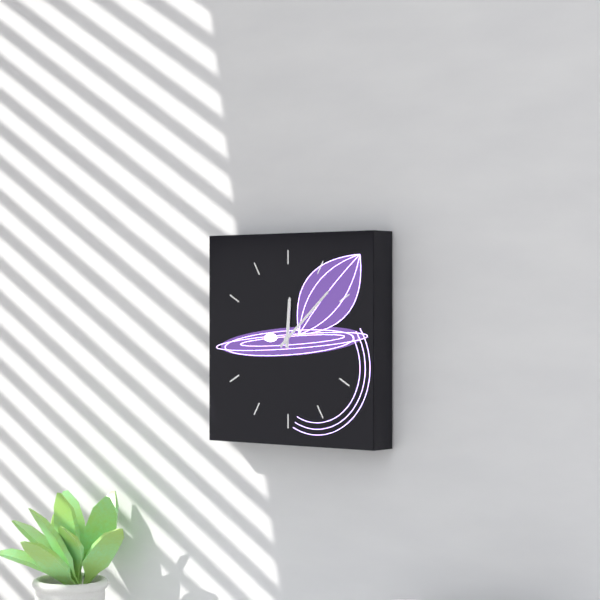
12:08
